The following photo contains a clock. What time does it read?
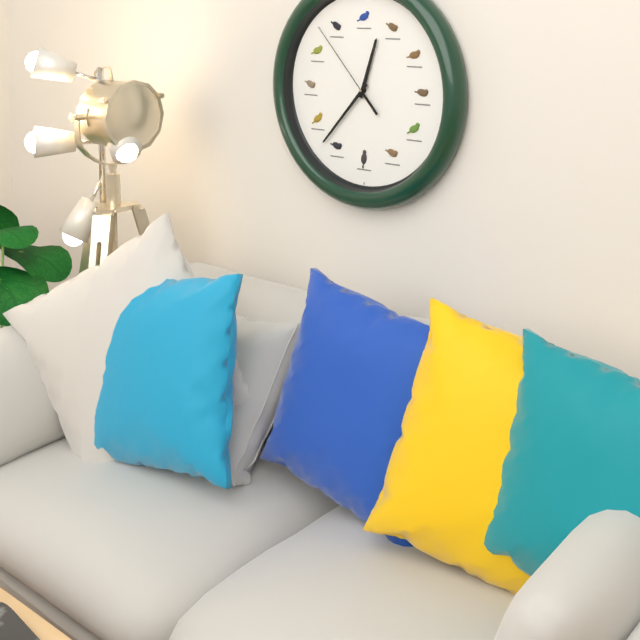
12:37:53
